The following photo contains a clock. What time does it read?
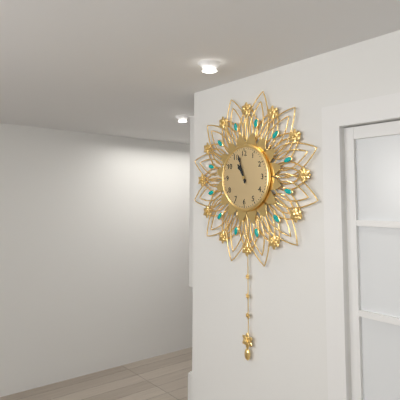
10:57
